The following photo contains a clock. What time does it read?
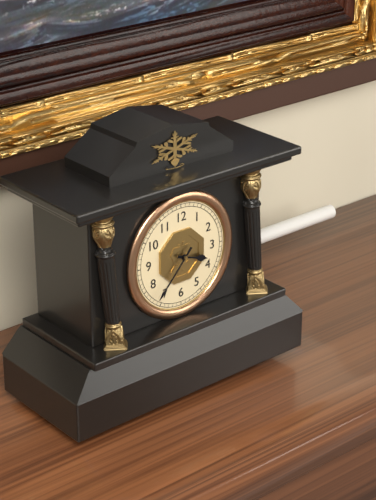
3:37
